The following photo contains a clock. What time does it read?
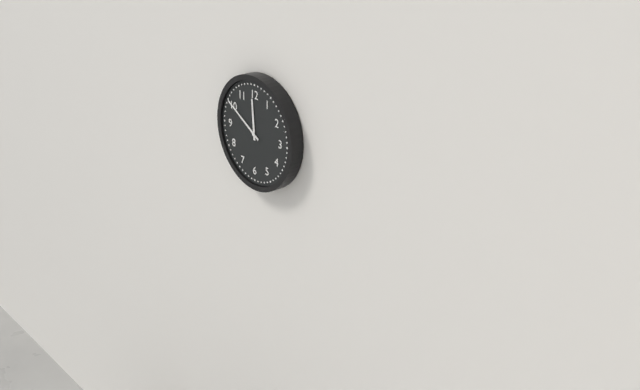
11:50
